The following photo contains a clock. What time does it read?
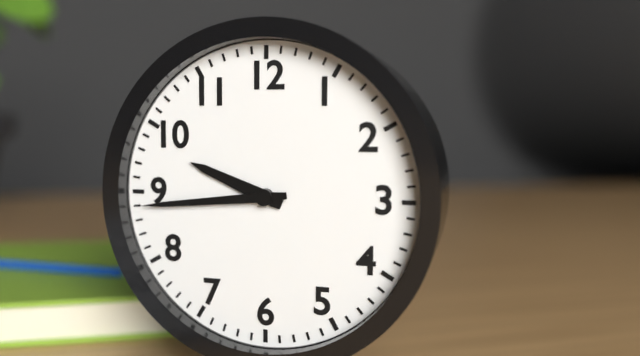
9:44
